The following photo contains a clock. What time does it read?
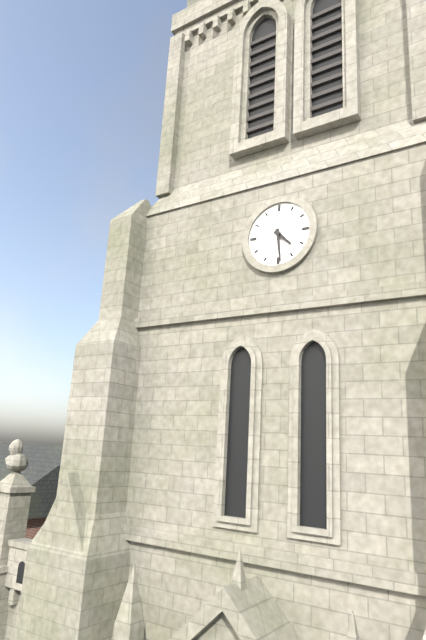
4:29
